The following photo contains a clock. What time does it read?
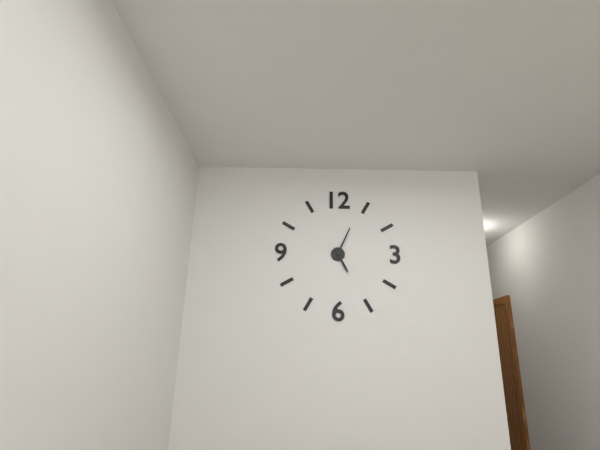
5:04
